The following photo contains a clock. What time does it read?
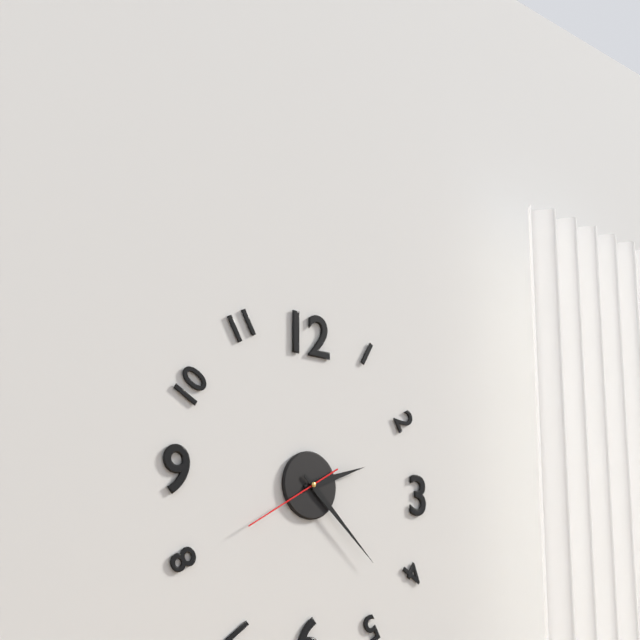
2:22:40
